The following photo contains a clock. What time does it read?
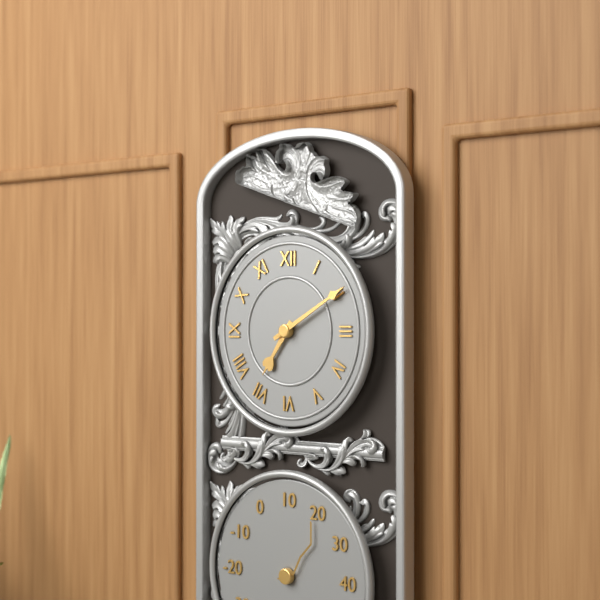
7:10
